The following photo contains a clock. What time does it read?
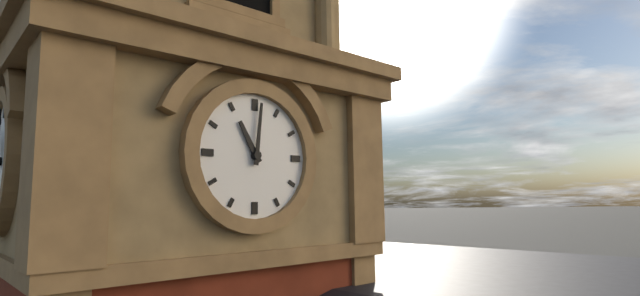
11:01
